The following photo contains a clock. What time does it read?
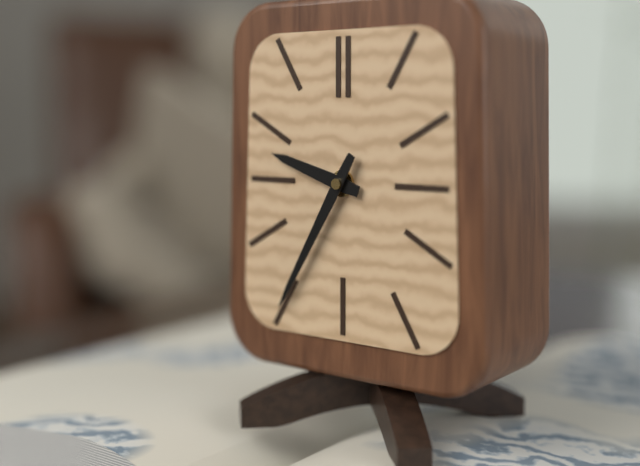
9:35
